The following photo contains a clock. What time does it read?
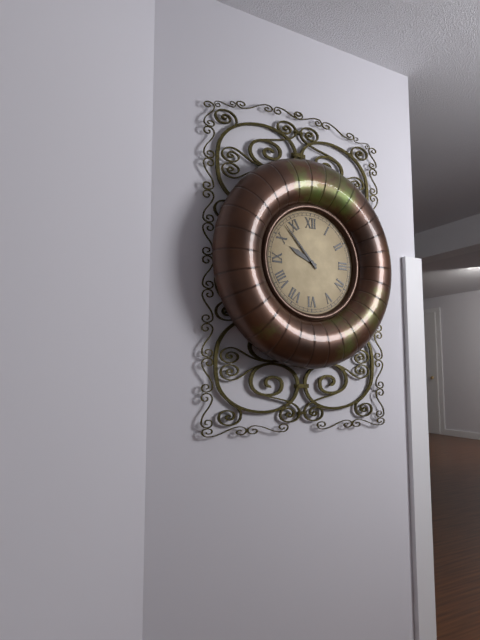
9:53
